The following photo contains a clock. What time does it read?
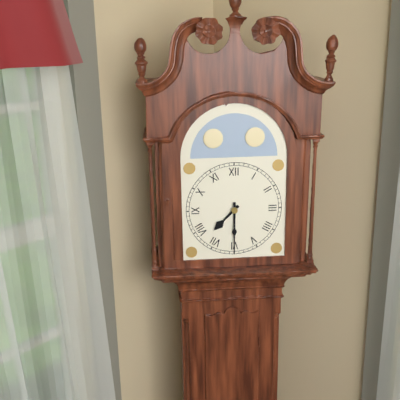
7:30
